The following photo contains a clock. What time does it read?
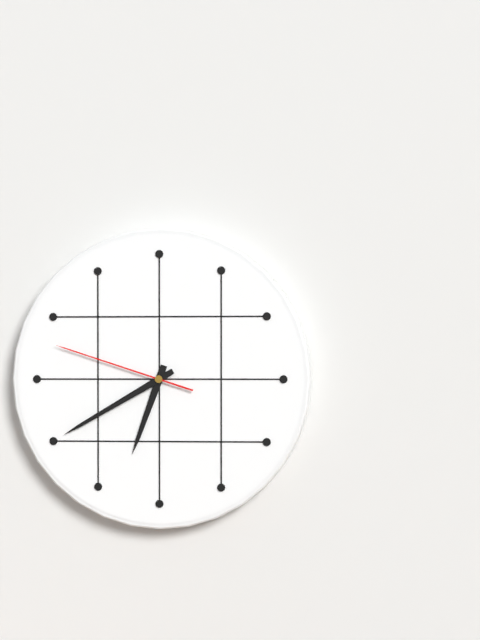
6:40:48
